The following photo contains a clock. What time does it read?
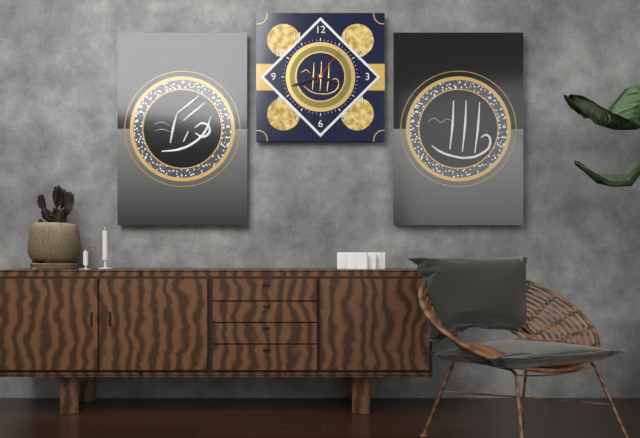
3:42
